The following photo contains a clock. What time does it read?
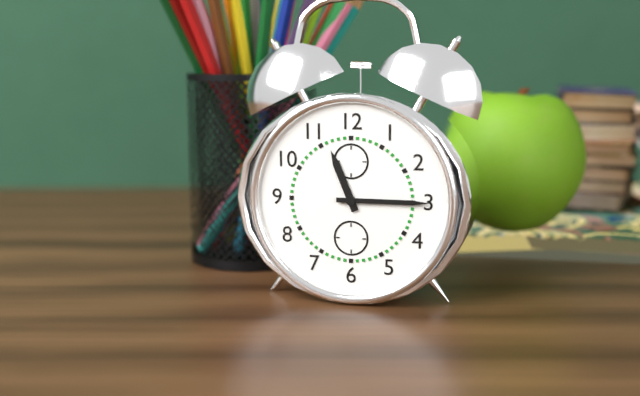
11:15
